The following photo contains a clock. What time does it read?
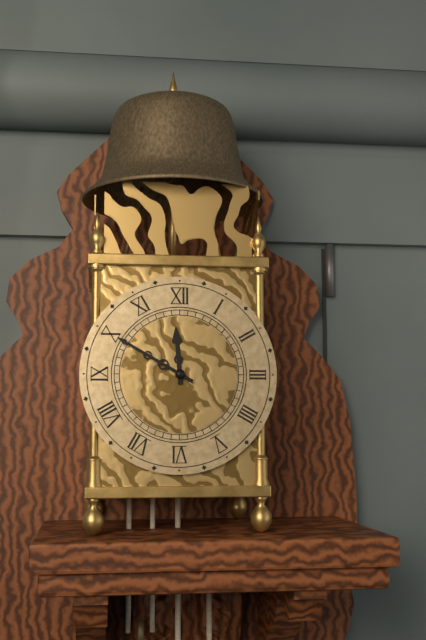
11:50
